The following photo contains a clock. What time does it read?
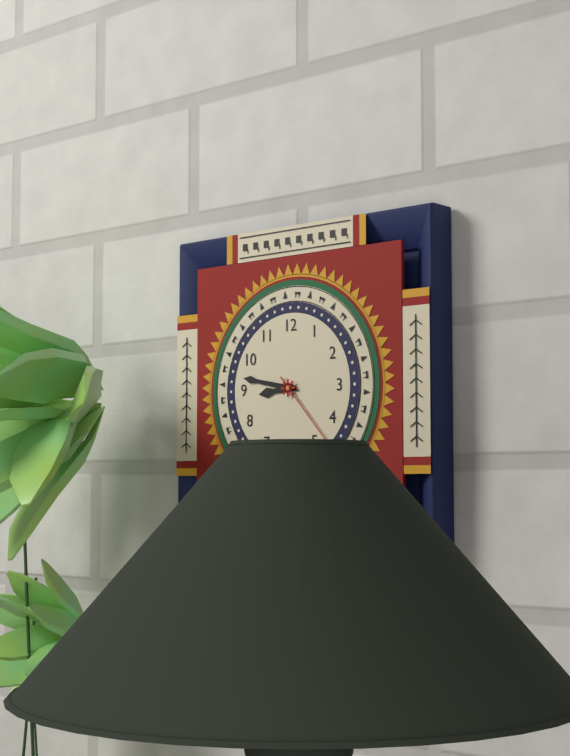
8:47:23
